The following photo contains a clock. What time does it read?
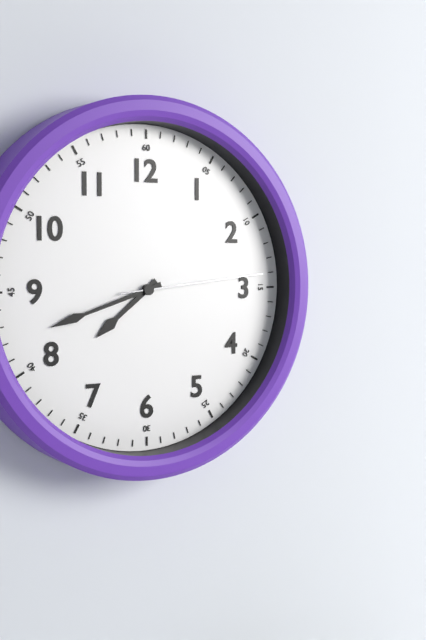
7:42:14
